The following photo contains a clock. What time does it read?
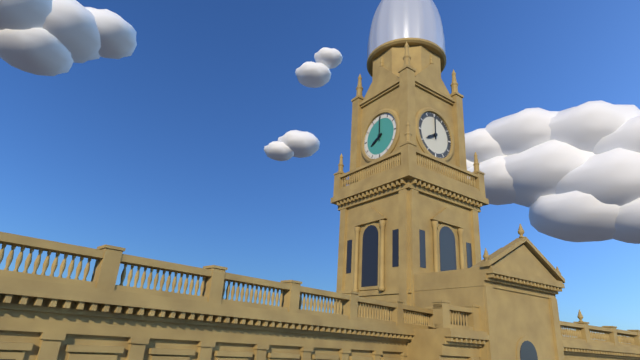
8:00
